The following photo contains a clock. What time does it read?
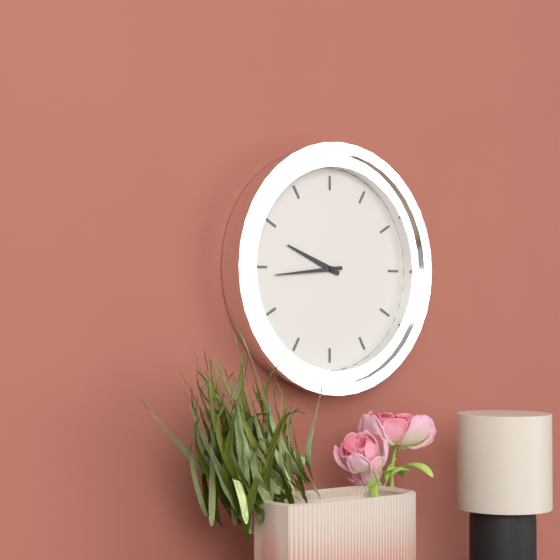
9:44
